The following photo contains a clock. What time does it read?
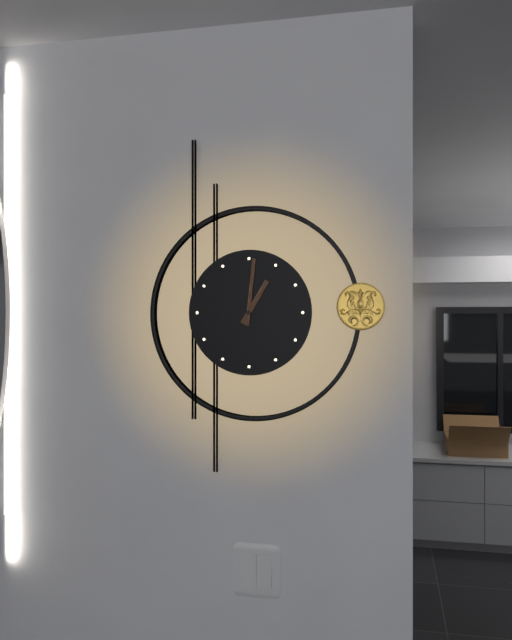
1:01
